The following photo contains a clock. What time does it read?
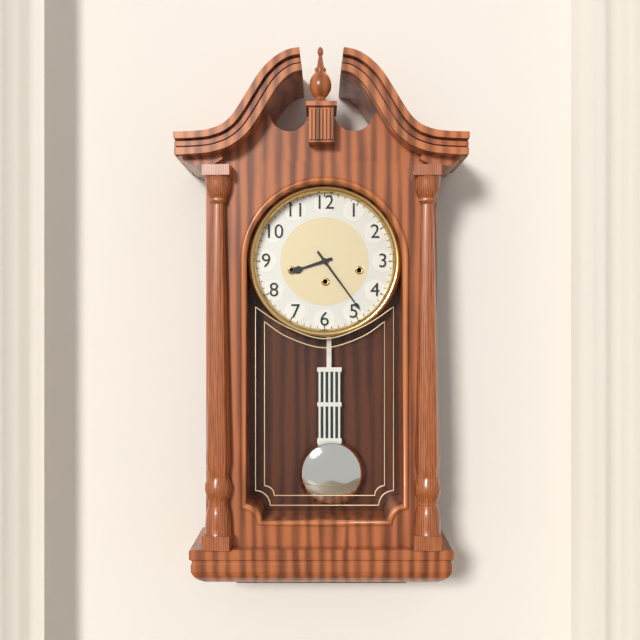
8:24
